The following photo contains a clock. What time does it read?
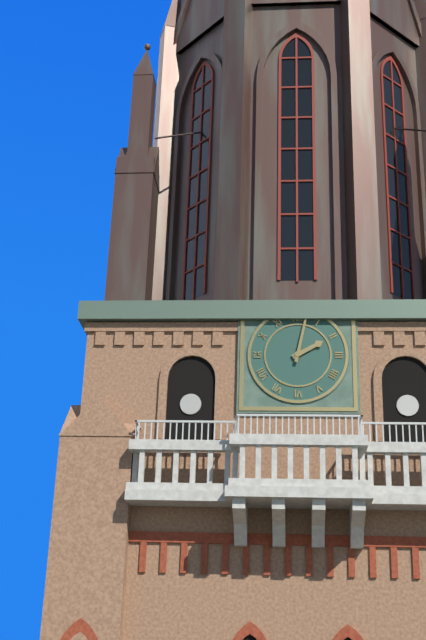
2:02
